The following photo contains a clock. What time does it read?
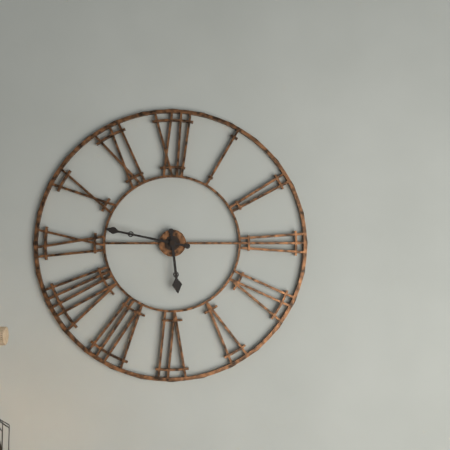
5:47
